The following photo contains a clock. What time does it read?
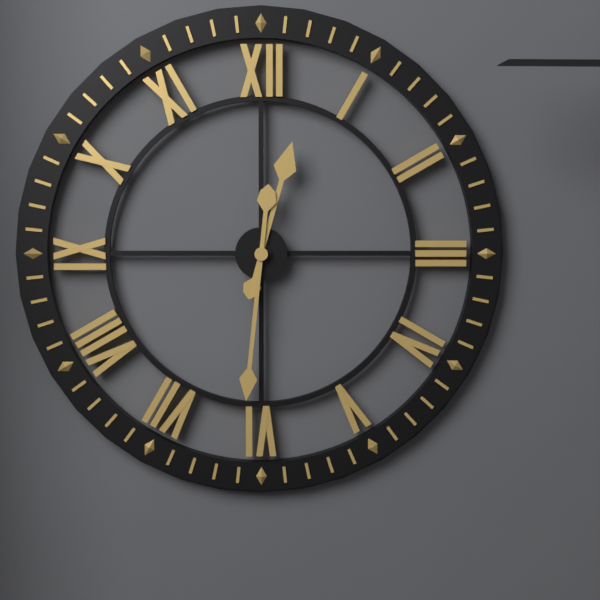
12:31
